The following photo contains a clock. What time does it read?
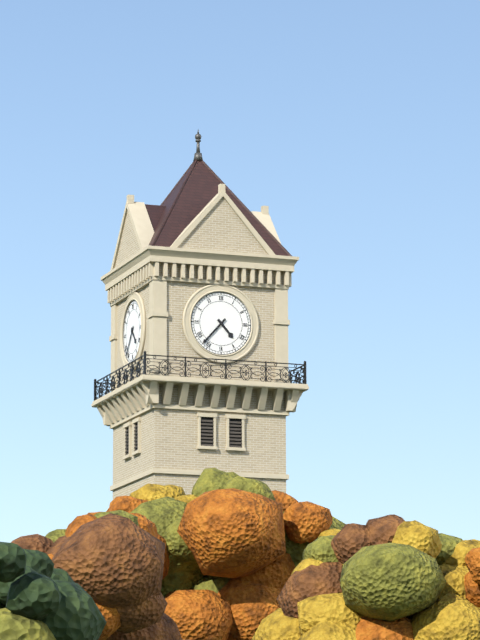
4:37
